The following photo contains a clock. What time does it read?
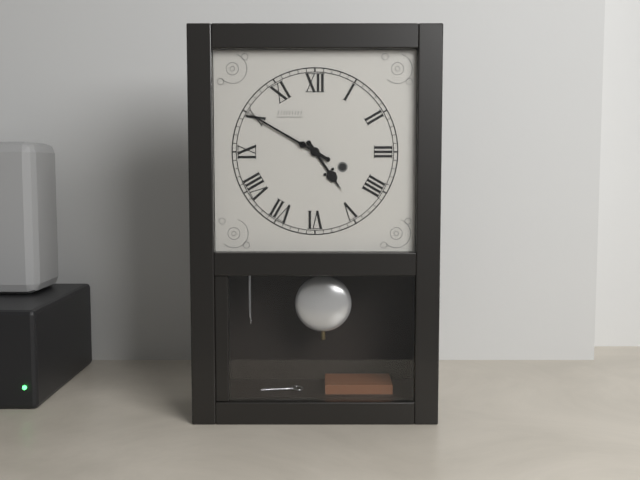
4:50
